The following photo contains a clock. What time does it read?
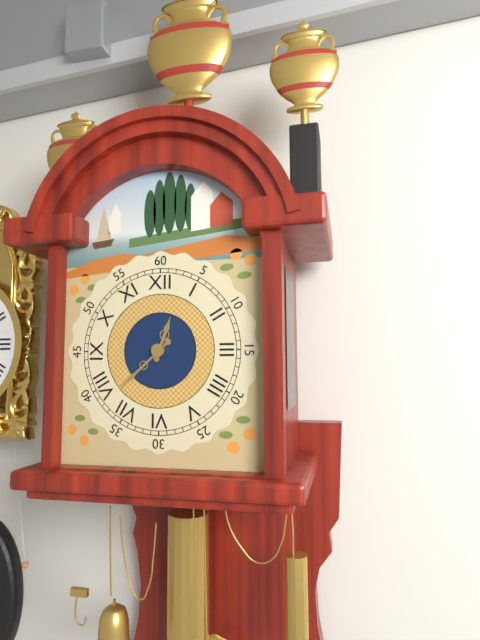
12:38
